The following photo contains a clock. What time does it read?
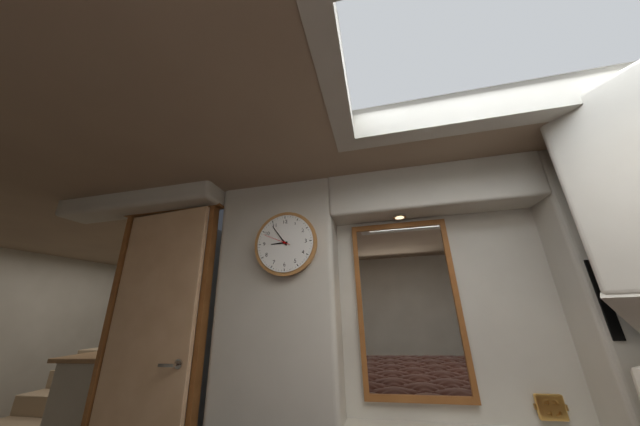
8:54
